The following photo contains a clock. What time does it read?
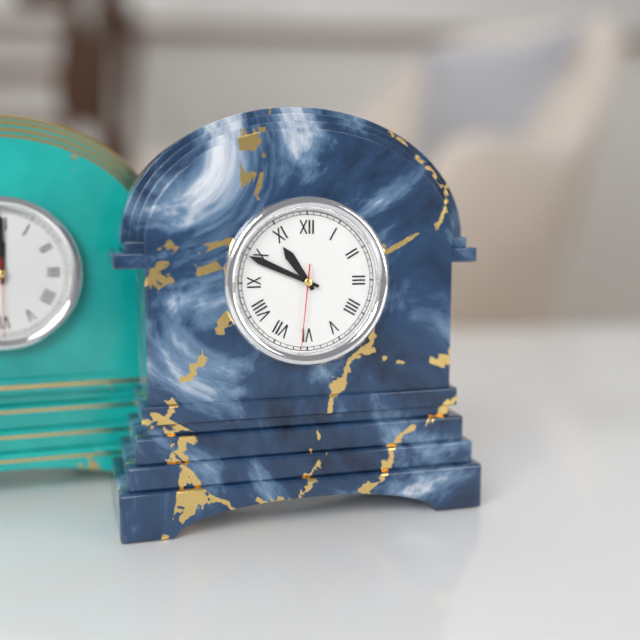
10:49:31
